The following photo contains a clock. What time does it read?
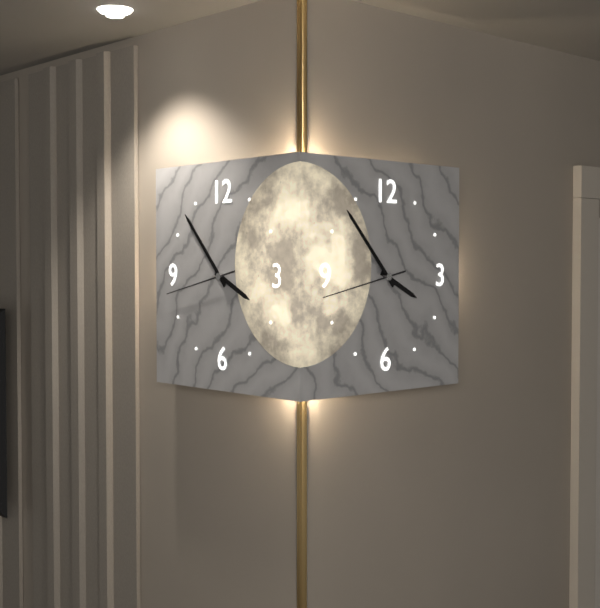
3:53:43
